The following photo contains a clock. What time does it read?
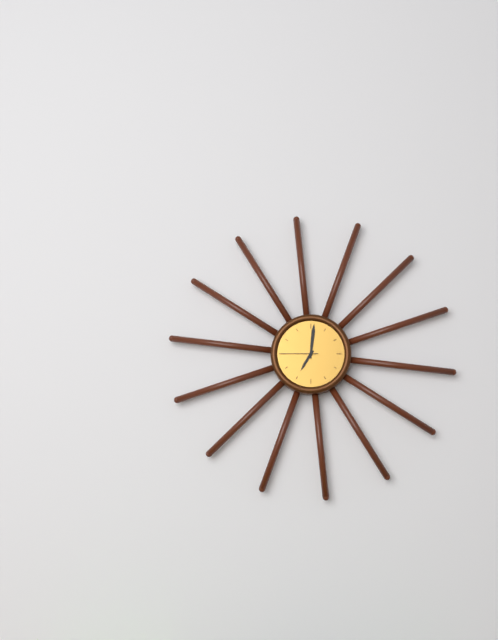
7:01
